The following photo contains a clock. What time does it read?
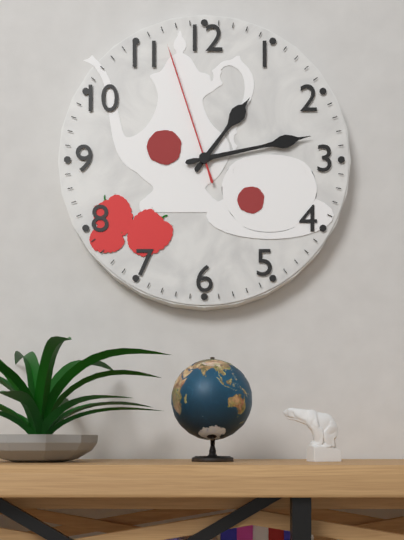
1:13:57
